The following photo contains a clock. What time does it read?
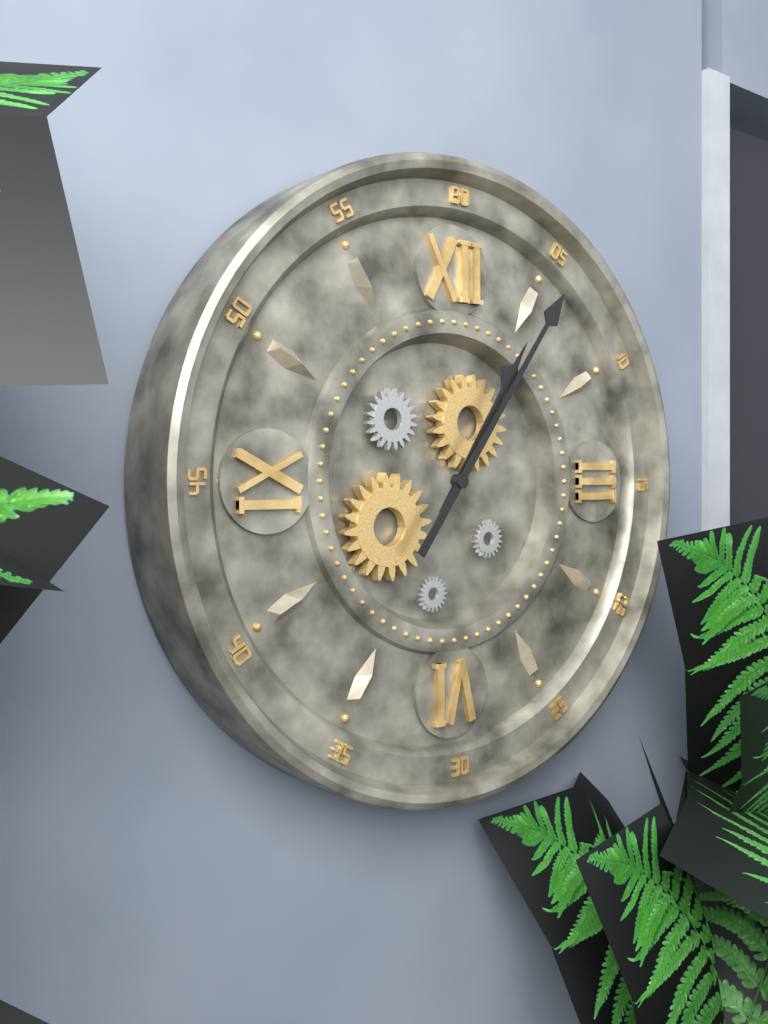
1:06
